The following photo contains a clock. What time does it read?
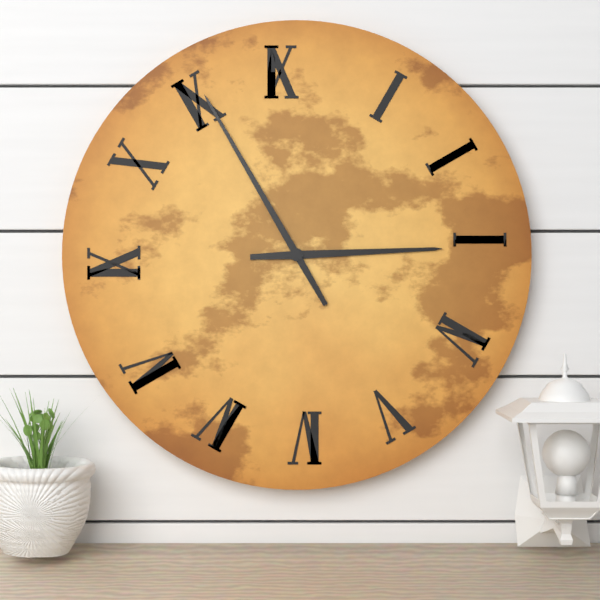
2:55
